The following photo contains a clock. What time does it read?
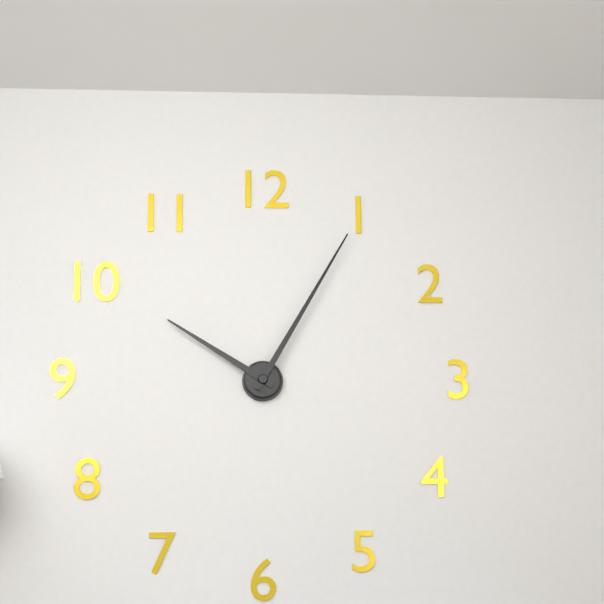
10:05
